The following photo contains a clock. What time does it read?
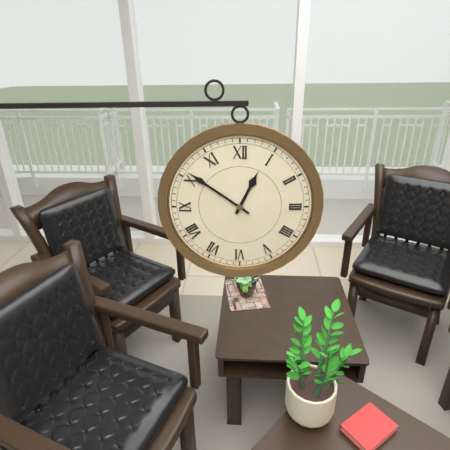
12:51
